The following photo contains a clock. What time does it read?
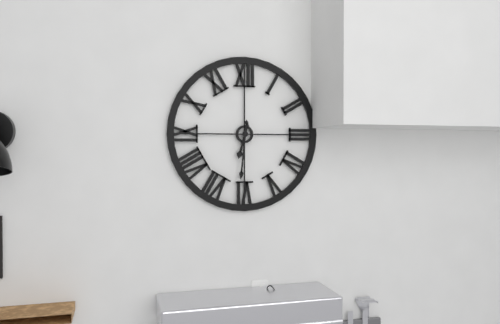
6:31
